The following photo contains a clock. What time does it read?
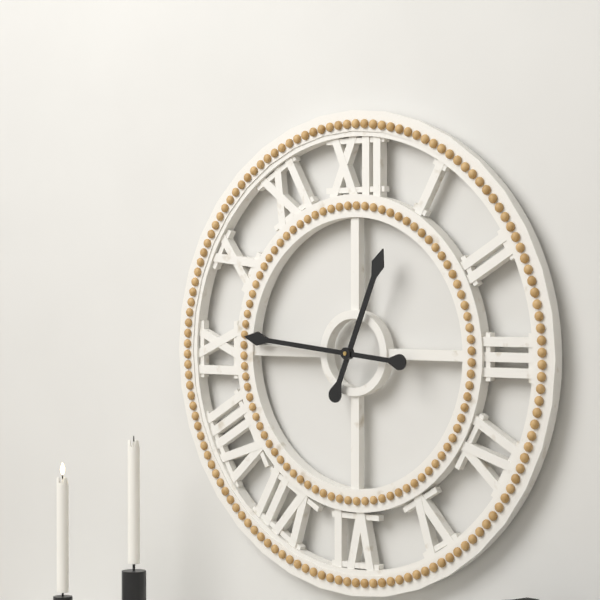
12:46
